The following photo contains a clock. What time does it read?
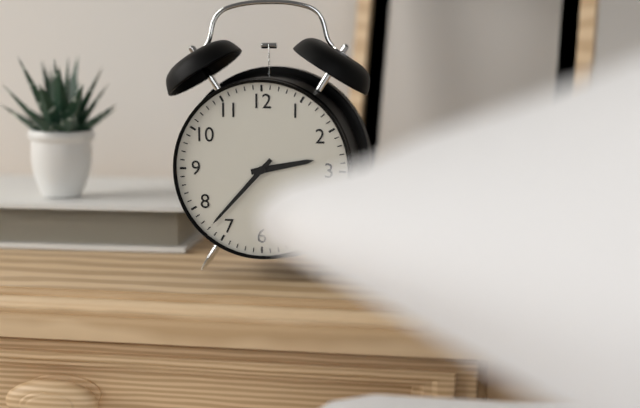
2:37
